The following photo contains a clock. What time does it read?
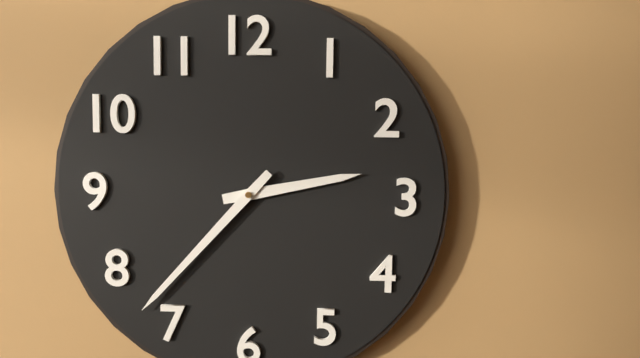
2:37
